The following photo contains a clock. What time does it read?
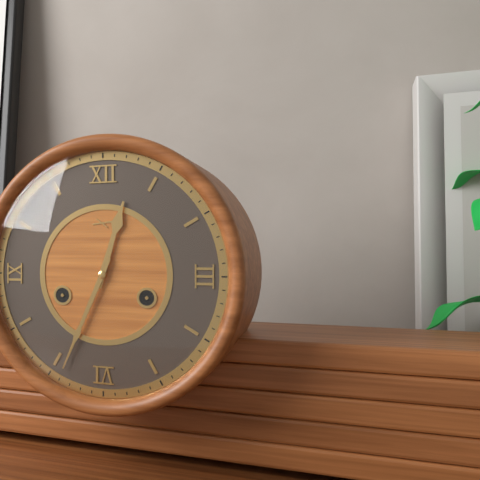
12:34
